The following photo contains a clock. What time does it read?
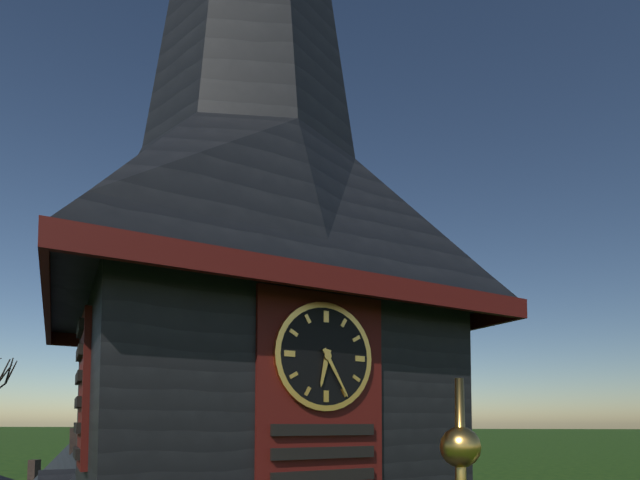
6:25
